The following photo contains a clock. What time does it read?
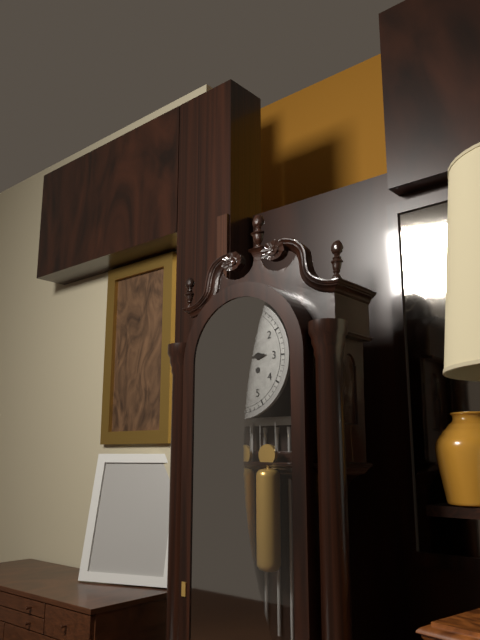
2:54
